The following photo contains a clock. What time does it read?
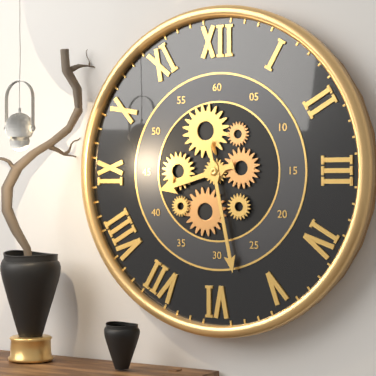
8:28
